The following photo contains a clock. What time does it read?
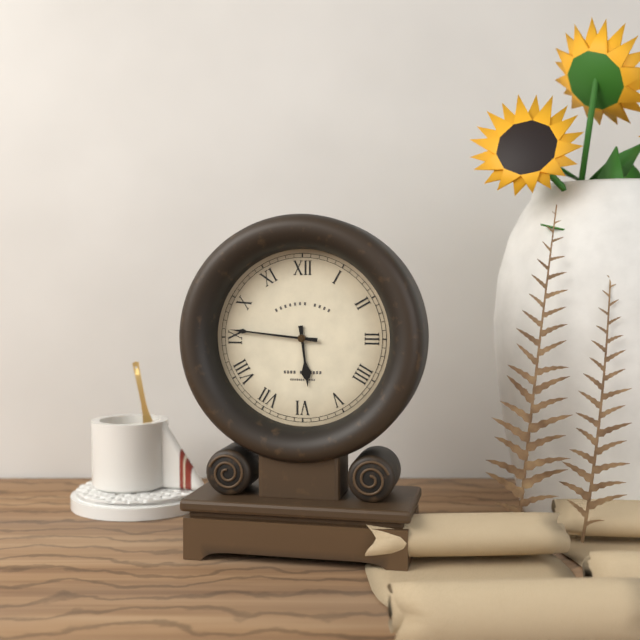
5:46
